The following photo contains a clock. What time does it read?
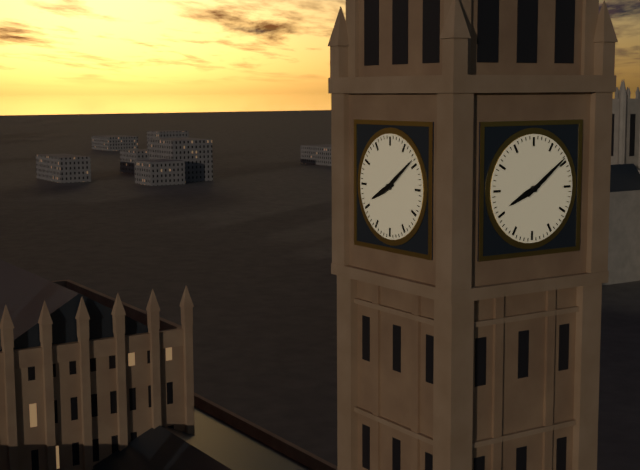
8:09
